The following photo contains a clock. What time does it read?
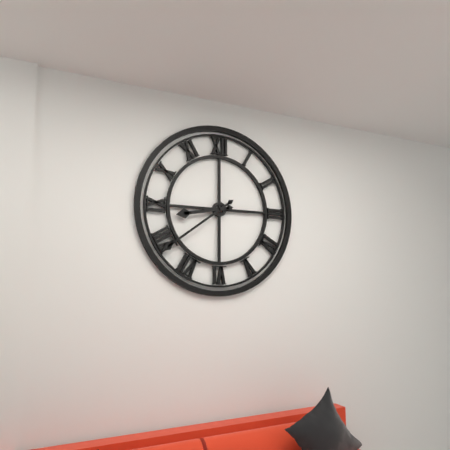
8:39
